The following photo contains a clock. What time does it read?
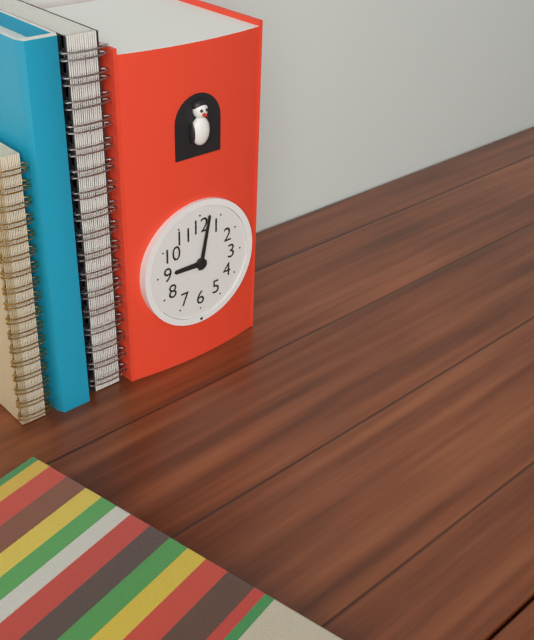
9:02
